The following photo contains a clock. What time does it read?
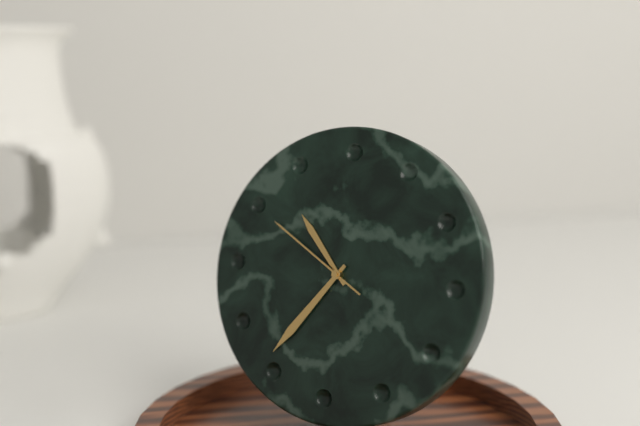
10:36:50
